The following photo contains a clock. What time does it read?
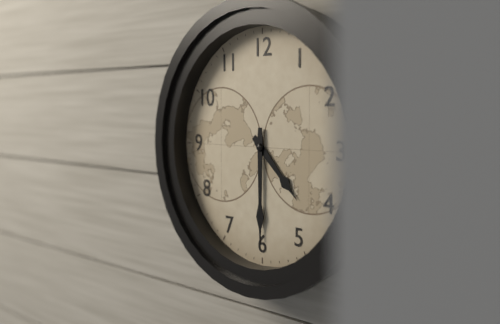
4:30
